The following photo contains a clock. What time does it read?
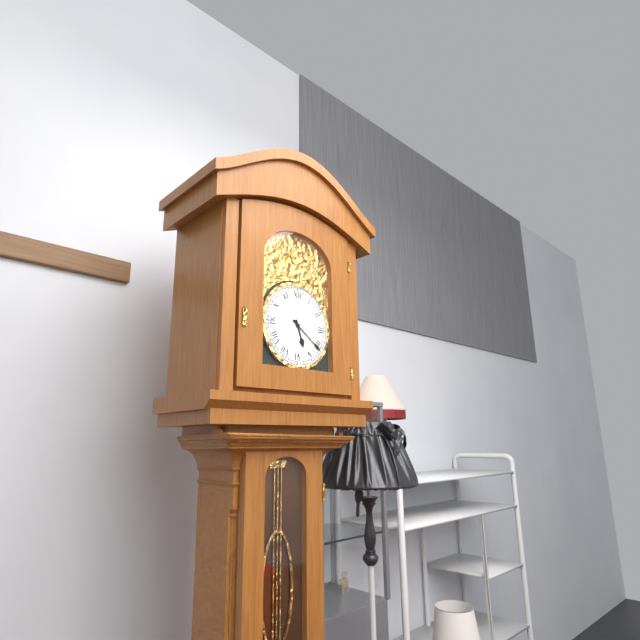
5:21
